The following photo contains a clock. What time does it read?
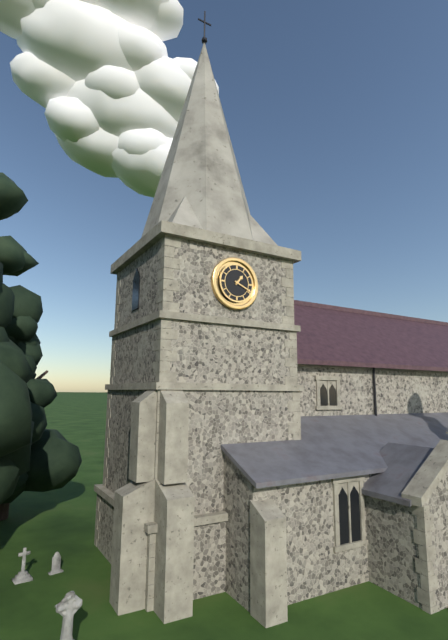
1:19
